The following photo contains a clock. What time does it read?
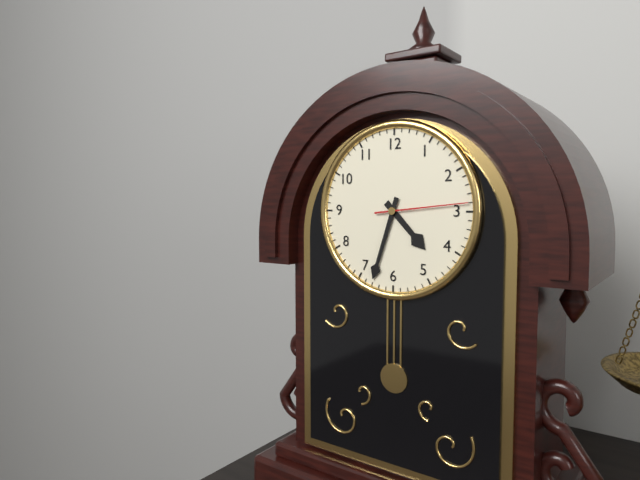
4:33:14
